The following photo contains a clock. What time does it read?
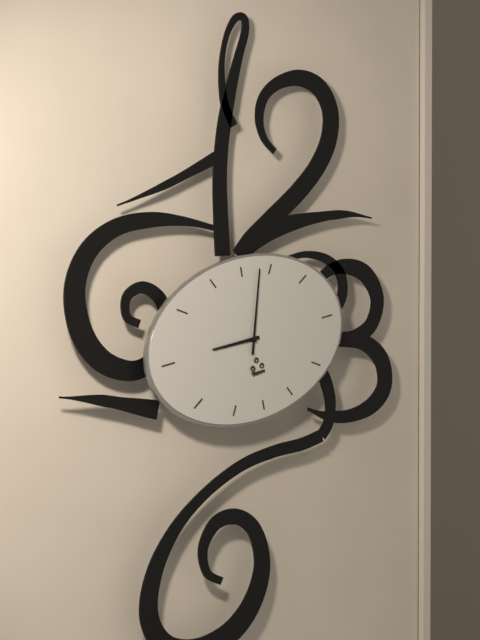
9:03
